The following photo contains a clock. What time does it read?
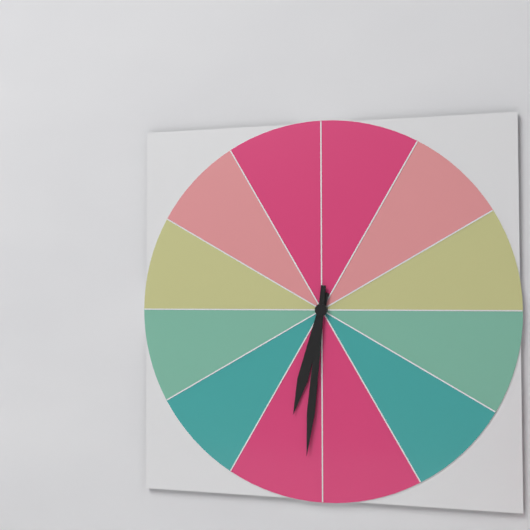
6:31
